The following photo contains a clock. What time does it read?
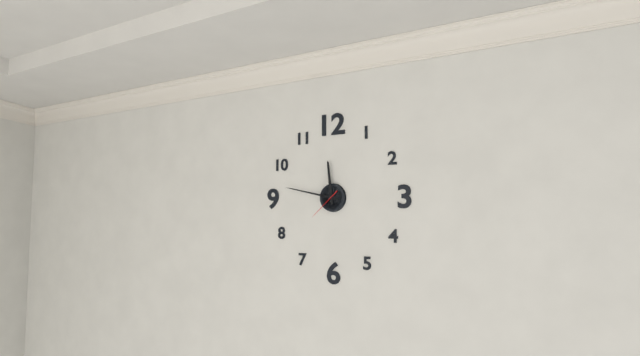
11:47
